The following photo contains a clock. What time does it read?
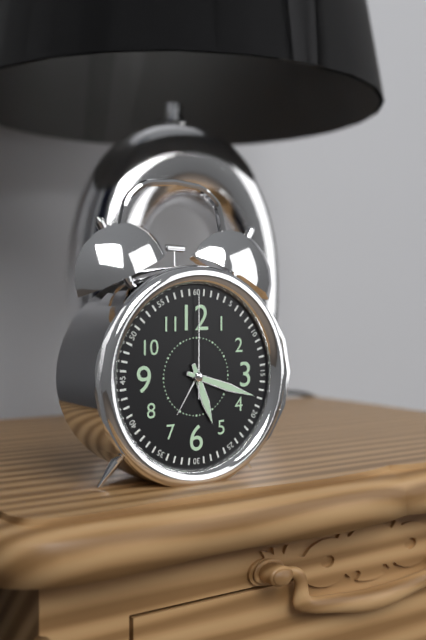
5:18:00
